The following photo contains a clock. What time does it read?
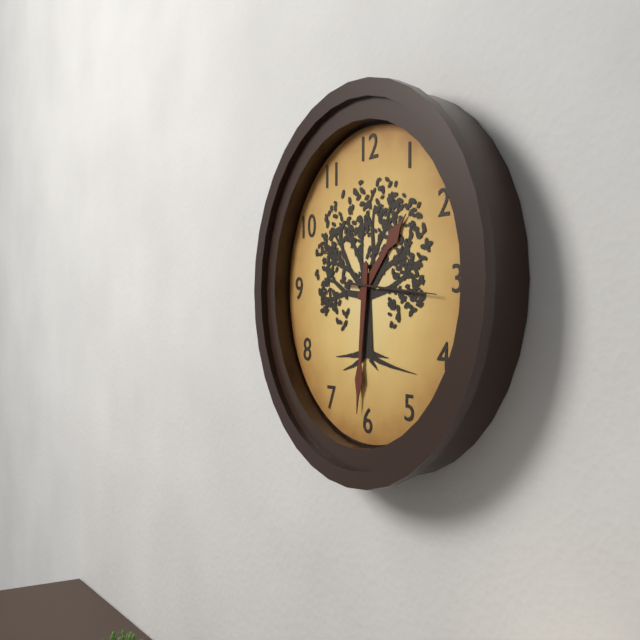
1:31:16
